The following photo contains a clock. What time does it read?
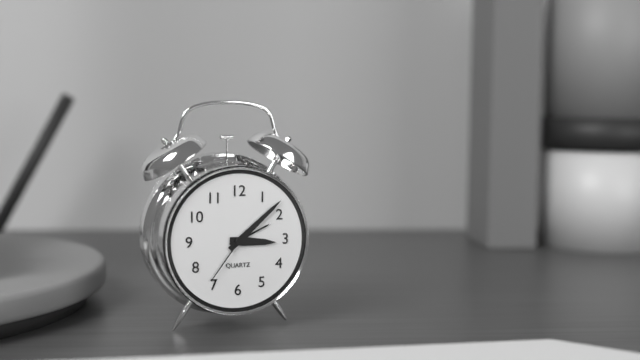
3:08:36
